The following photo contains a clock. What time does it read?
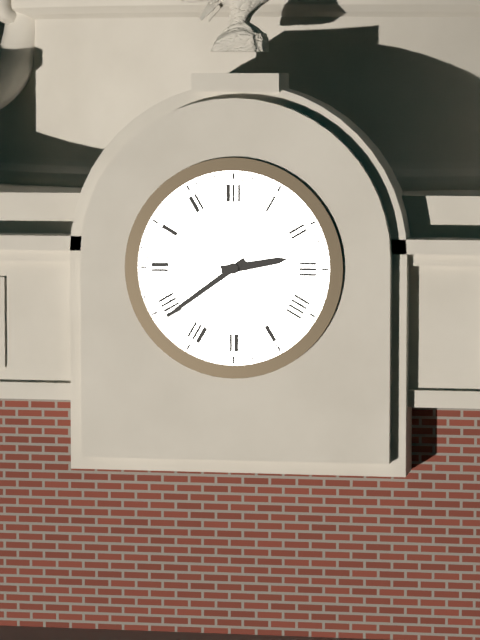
2:39
